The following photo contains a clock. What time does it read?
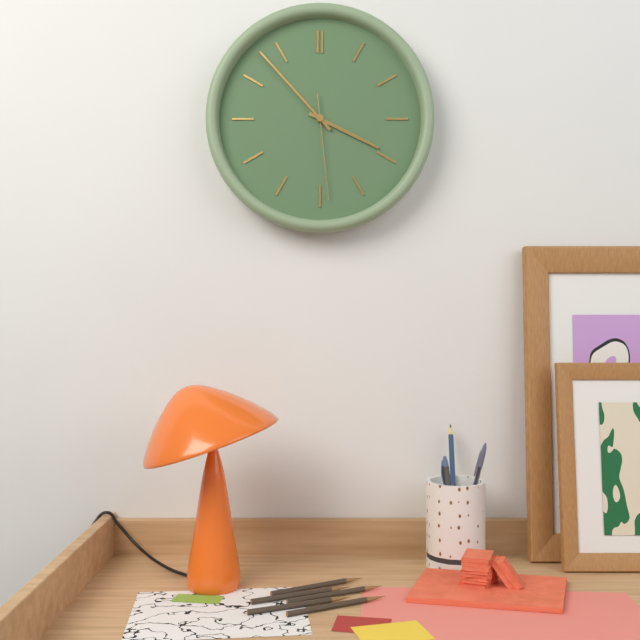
3:53:29
